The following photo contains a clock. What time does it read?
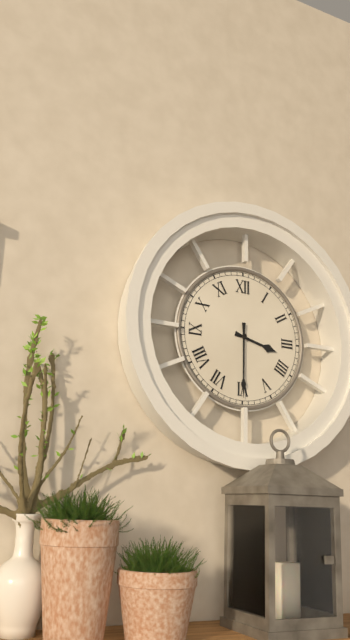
3:30
